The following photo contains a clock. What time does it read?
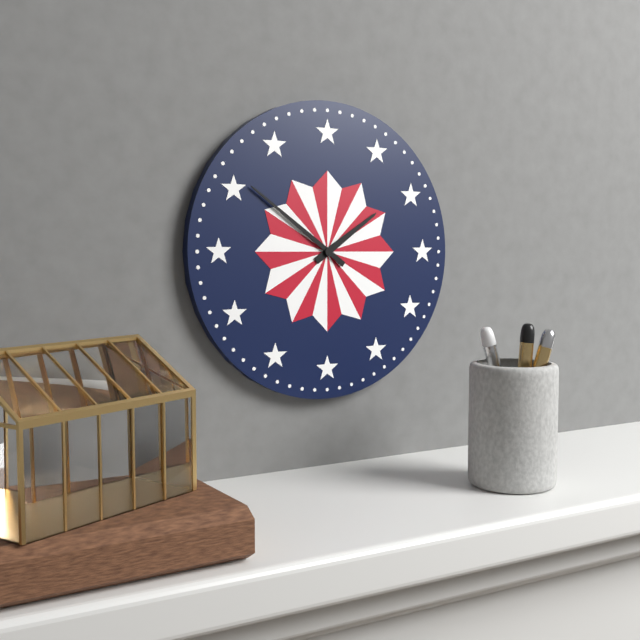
1:51
